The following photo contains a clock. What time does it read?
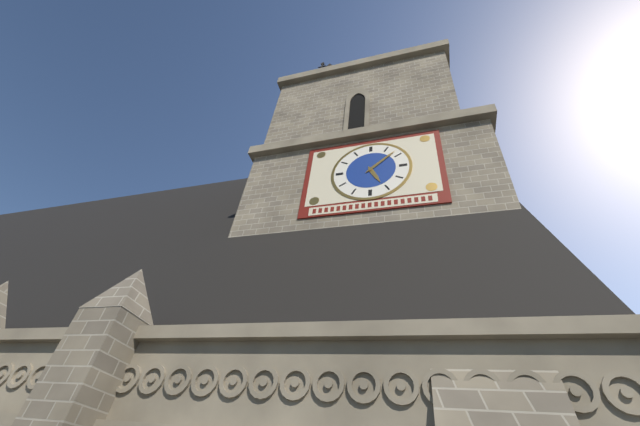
5:08
